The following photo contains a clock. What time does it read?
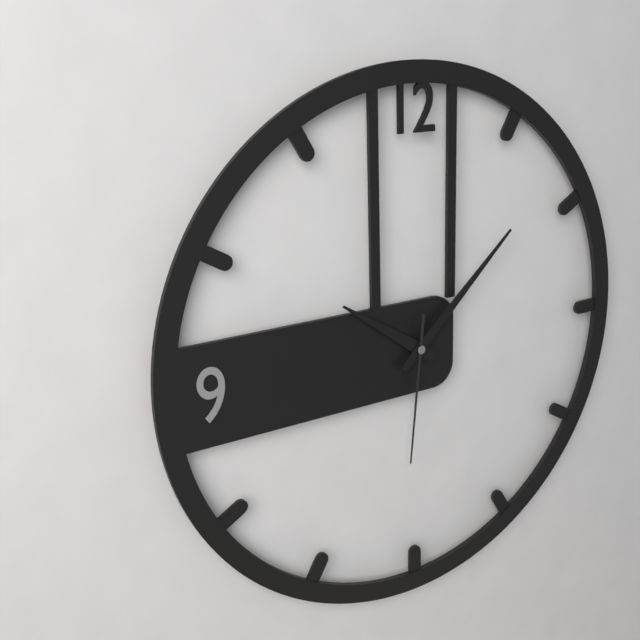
10:08:31
